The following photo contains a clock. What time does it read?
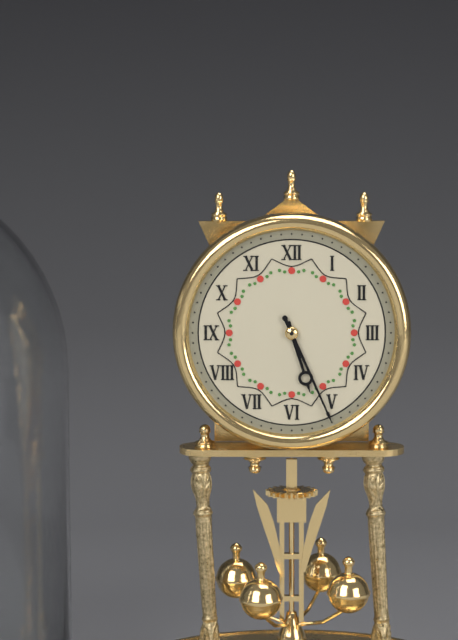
5:26
